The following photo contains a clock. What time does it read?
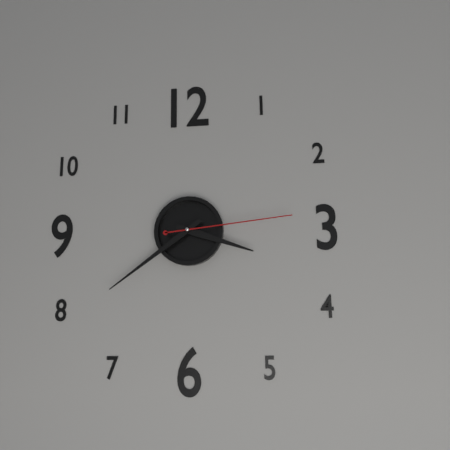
3:39:14
